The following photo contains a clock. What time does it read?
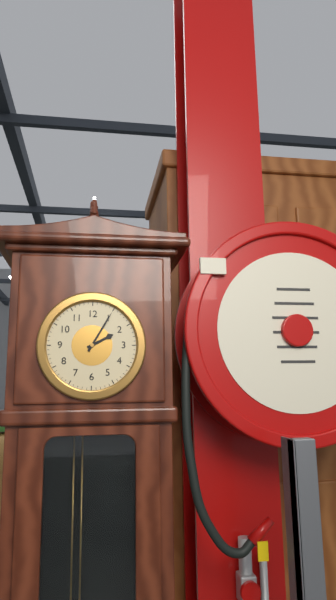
2:05
